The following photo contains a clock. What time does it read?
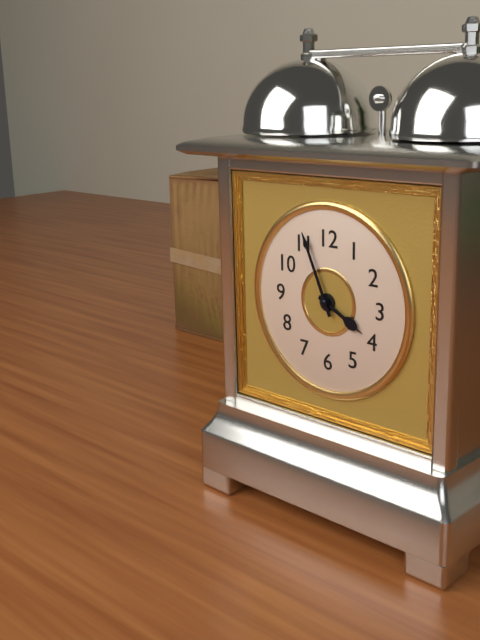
3:56
